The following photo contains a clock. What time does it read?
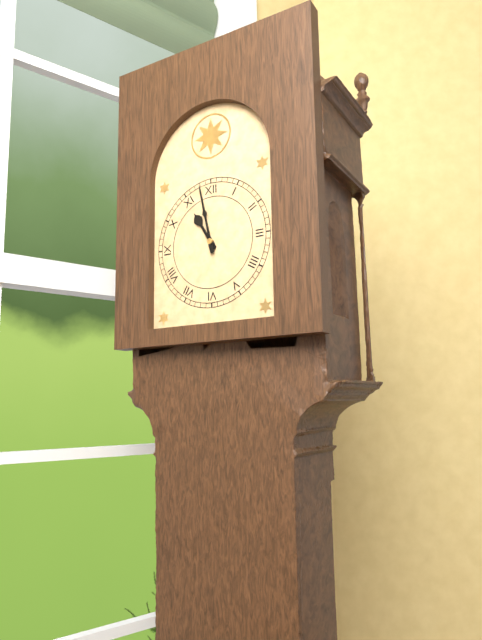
10:58
